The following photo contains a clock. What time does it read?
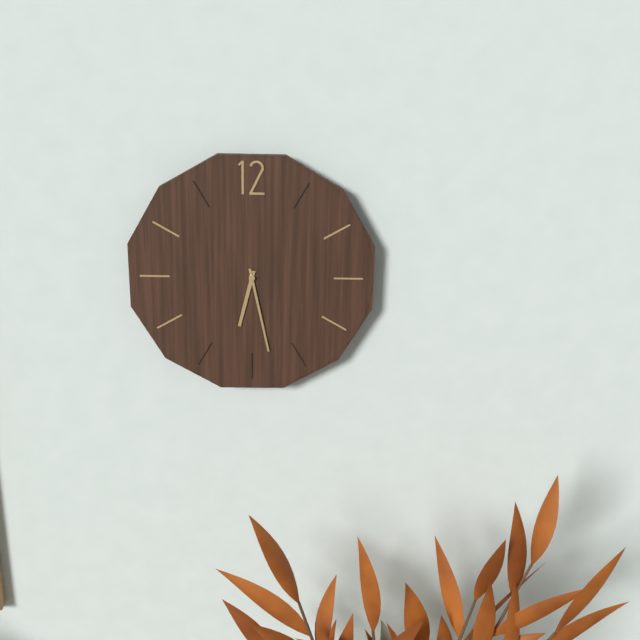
6:28
